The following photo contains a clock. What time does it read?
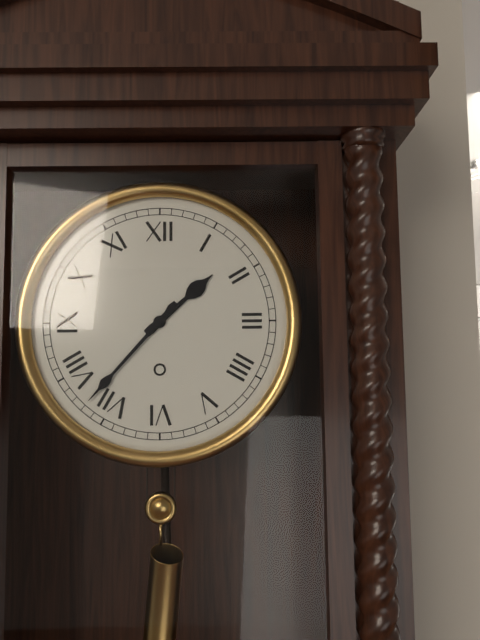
1:37
